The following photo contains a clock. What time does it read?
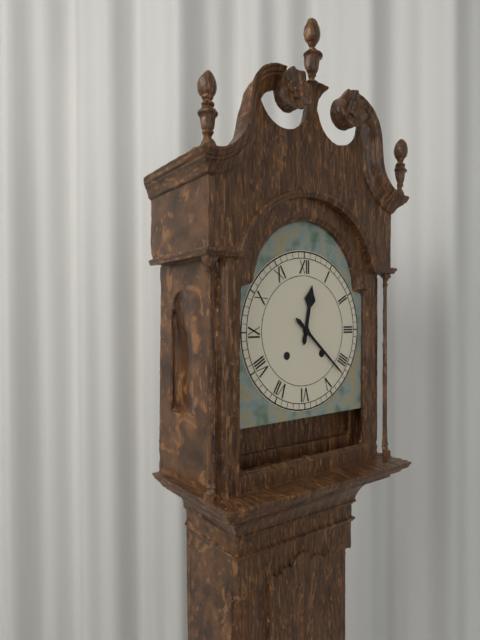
12:22
